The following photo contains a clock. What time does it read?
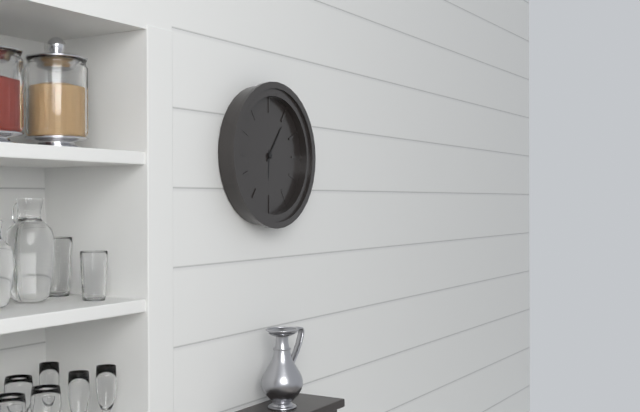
6:06
